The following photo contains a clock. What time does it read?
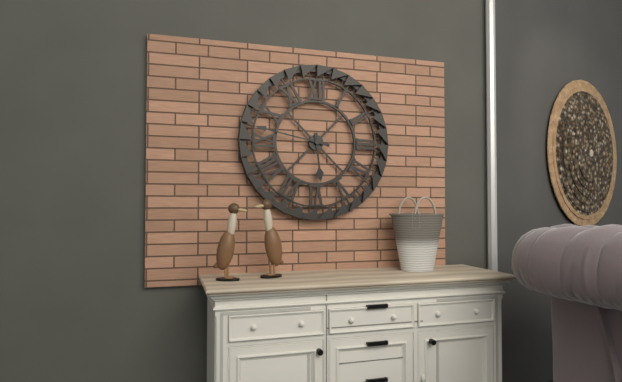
5:47
